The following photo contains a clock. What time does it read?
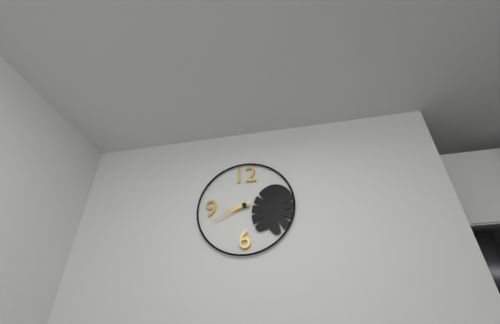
8:41
